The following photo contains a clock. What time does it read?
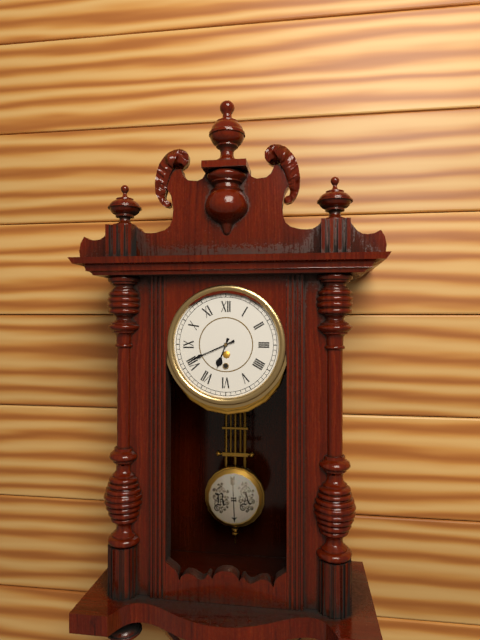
6:41
